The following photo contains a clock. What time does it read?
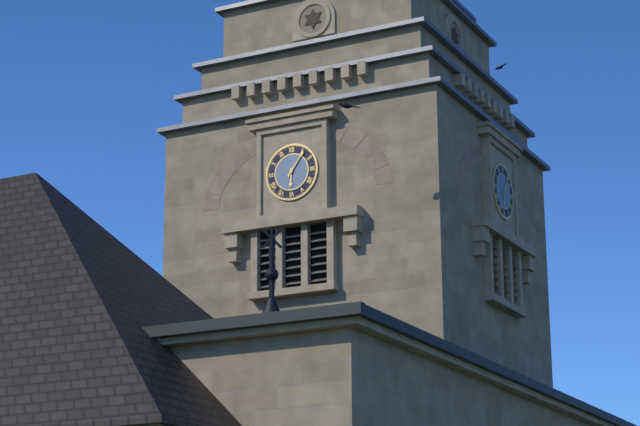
6:06
